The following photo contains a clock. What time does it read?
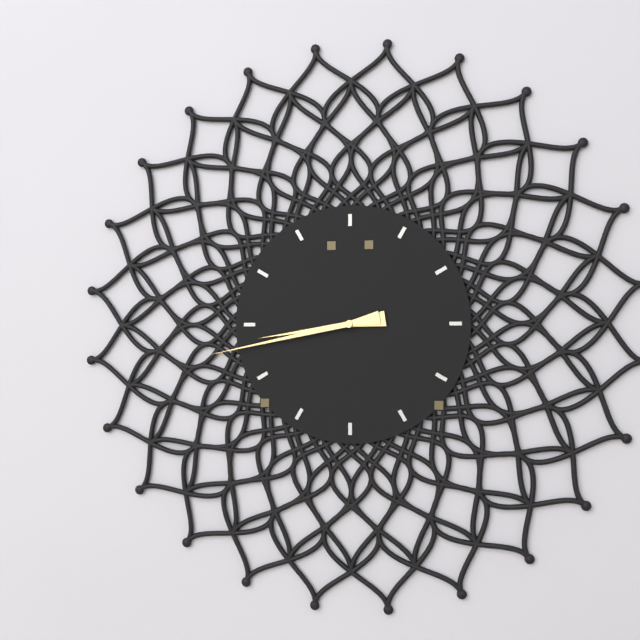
8:43
